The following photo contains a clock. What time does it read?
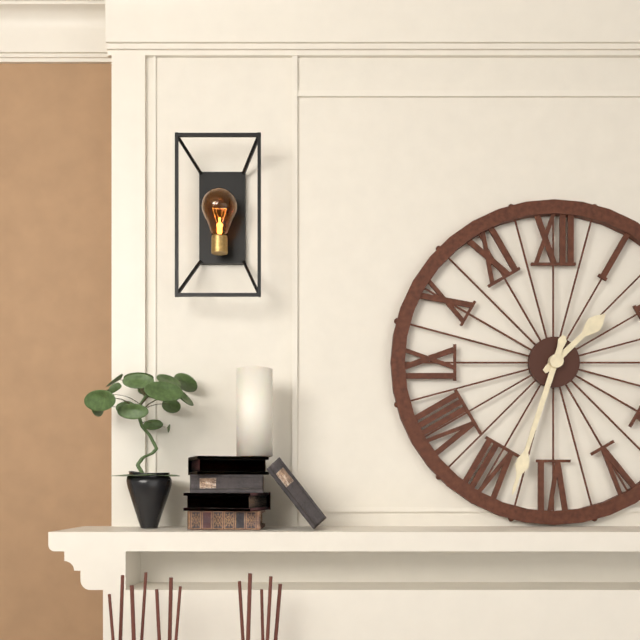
1:33
